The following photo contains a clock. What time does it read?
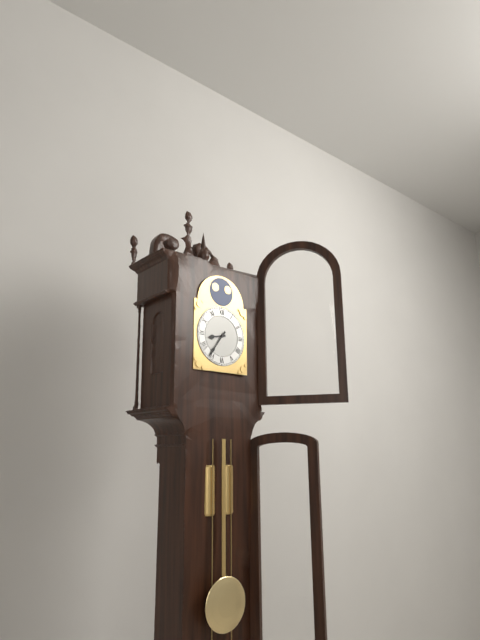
8:36
